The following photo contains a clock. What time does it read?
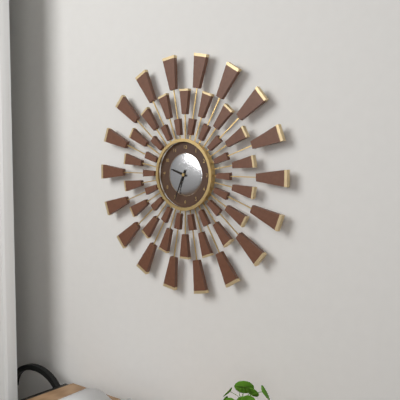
9:34
